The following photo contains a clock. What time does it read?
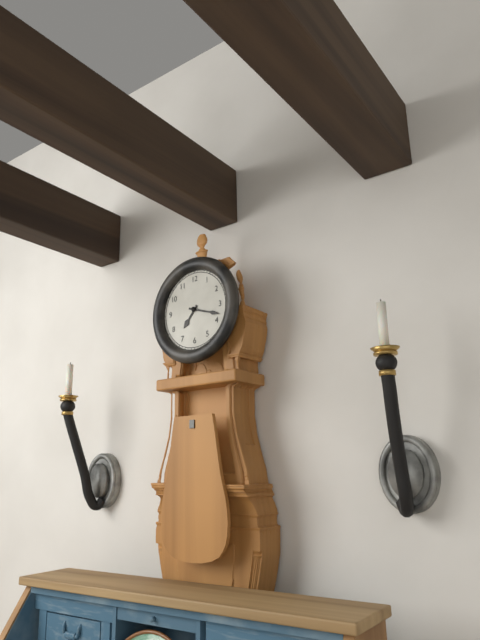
7:18
